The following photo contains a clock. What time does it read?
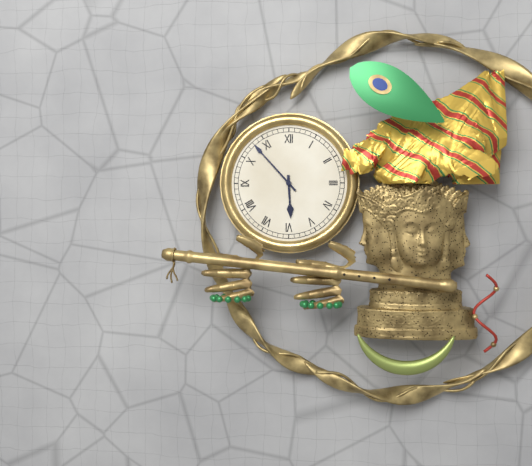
5:53
